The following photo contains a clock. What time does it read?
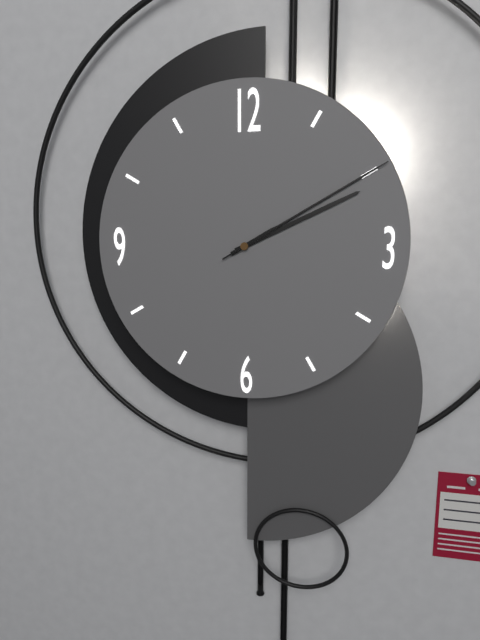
2:10:10
